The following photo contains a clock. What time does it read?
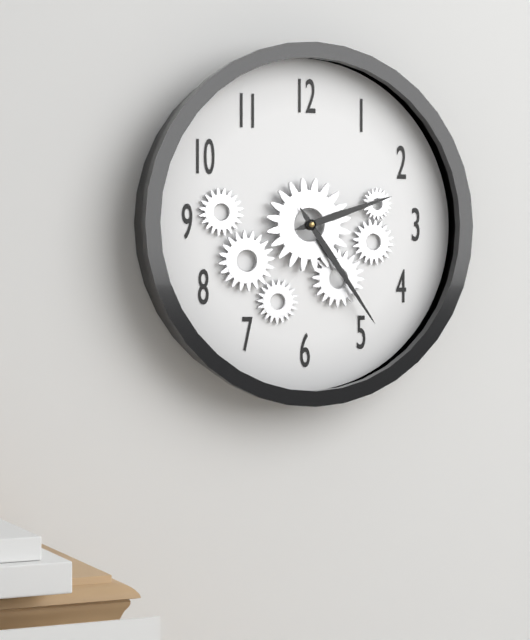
2:24
